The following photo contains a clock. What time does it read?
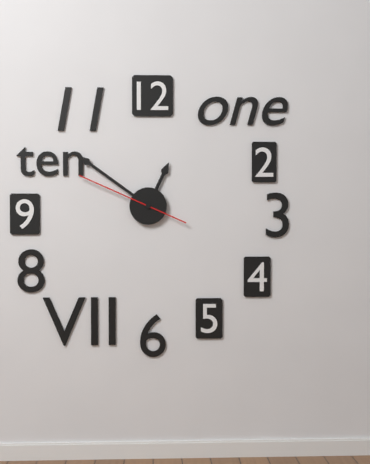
12:51:49
